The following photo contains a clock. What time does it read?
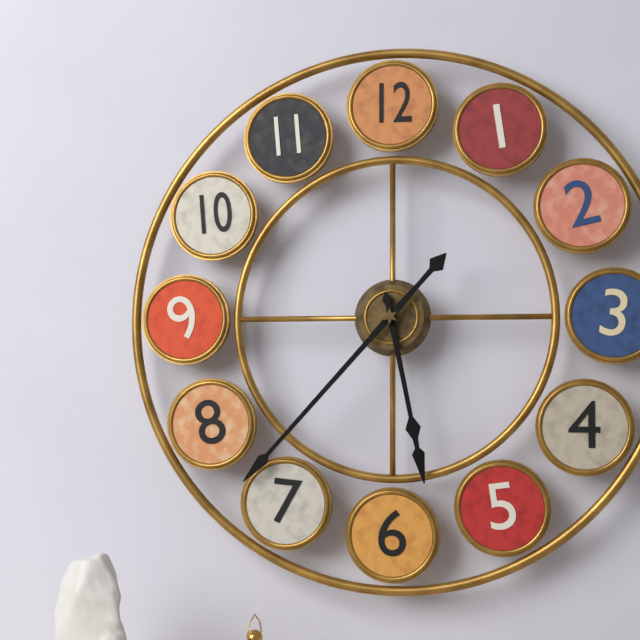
5:37
